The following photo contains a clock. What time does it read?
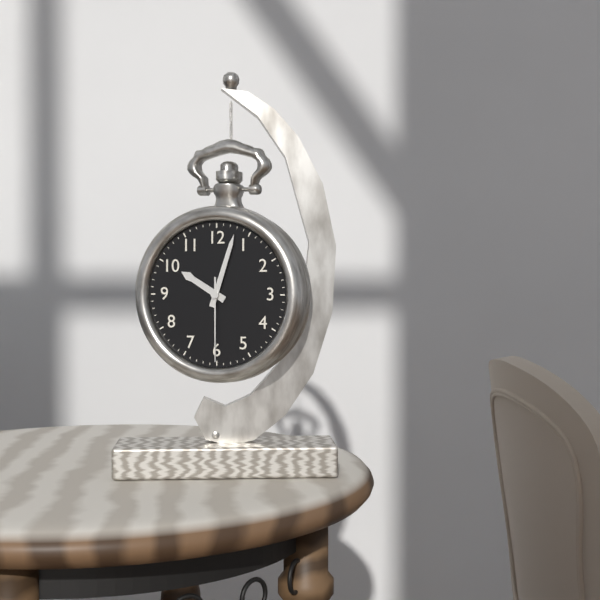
10:03:30
